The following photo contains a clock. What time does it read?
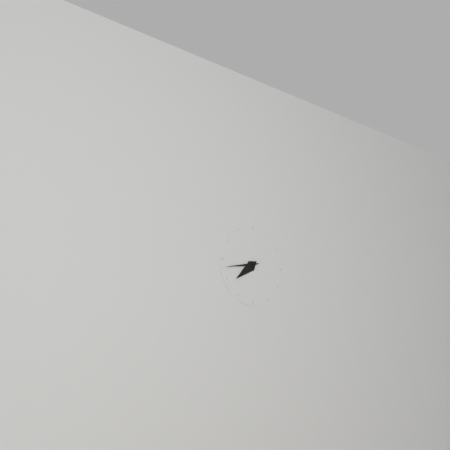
7:43
